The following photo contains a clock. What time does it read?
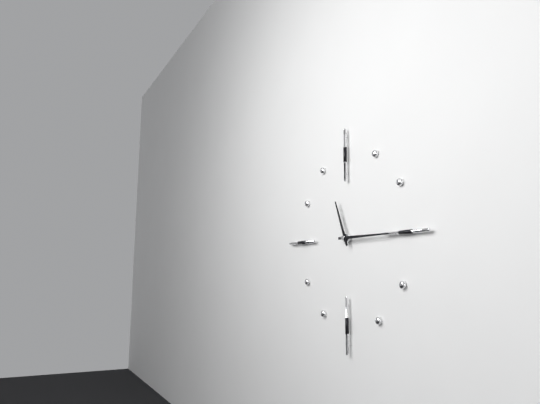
11:15
